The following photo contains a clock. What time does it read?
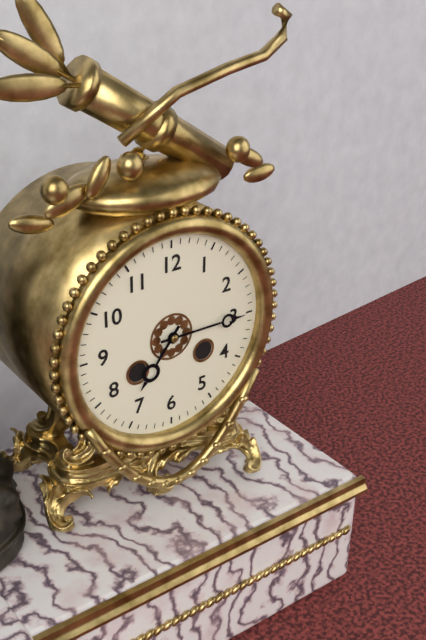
7:15
